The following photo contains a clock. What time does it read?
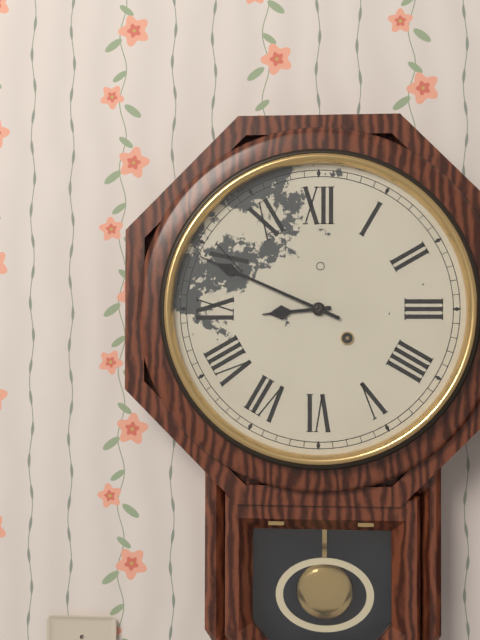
8:49
